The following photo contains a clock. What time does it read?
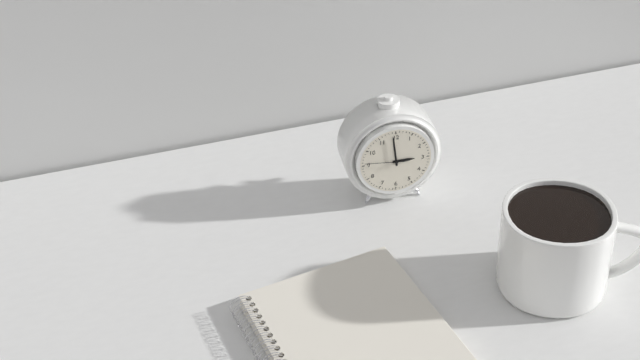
2:59
